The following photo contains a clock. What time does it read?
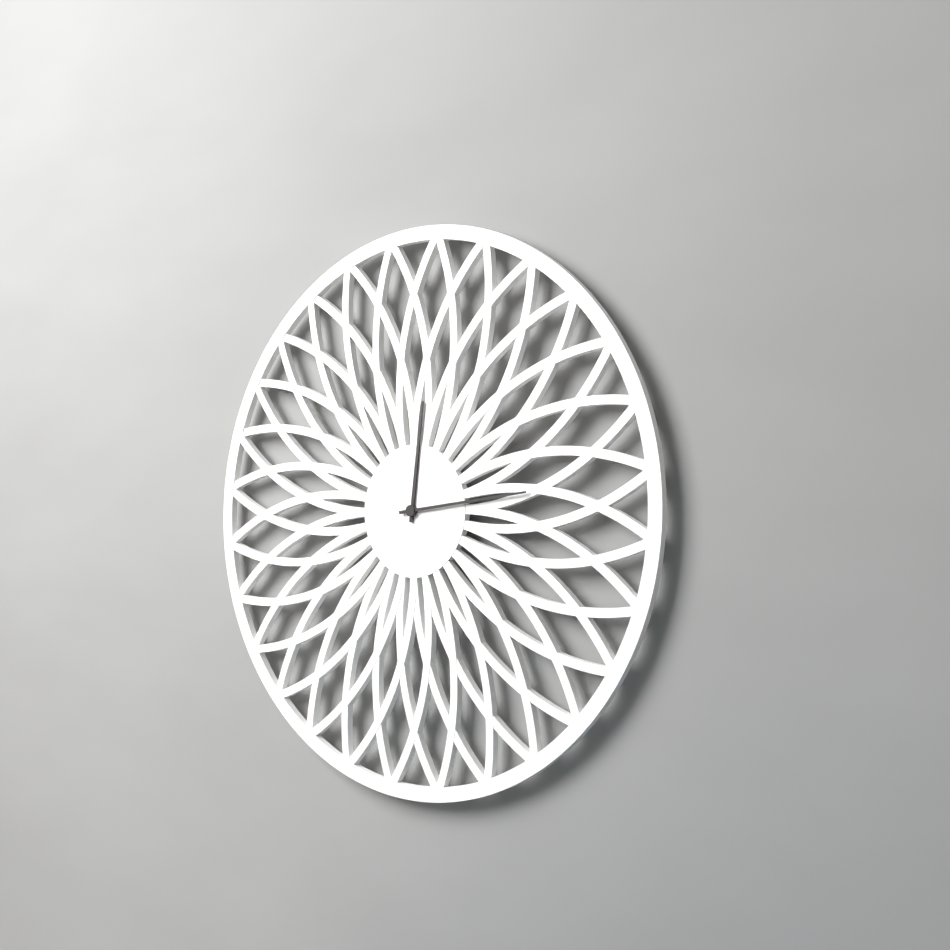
12:14
